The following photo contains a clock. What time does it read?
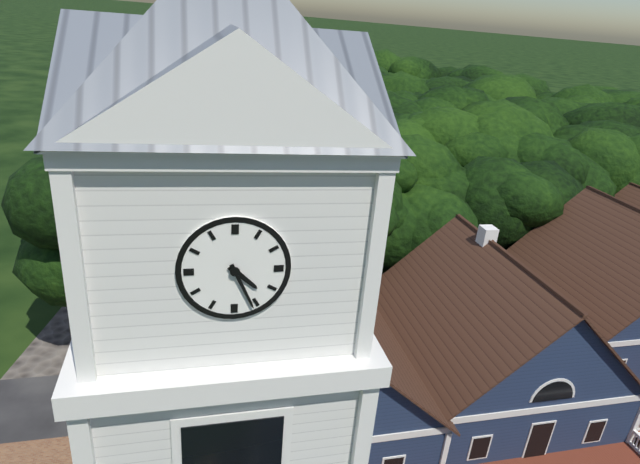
4:26
